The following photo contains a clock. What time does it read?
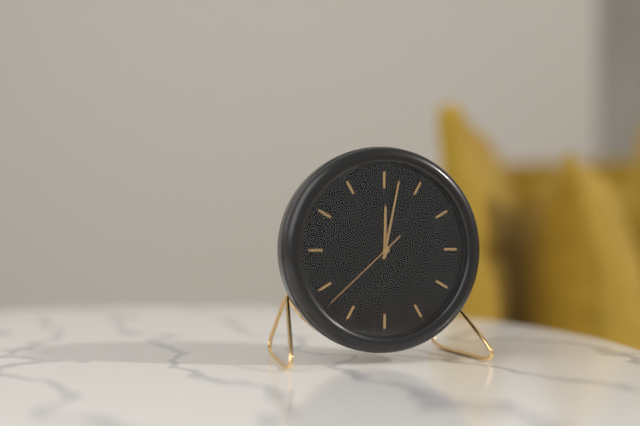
12:02:38
